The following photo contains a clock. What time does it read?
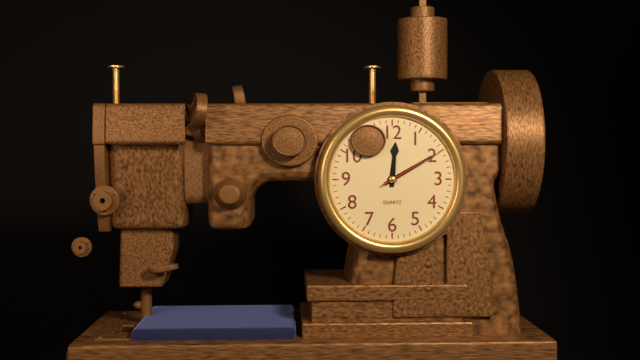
12:10:10
